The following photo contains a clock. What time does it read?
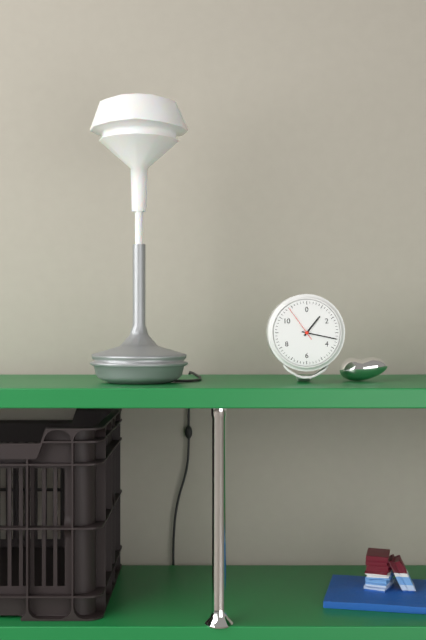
1:17
